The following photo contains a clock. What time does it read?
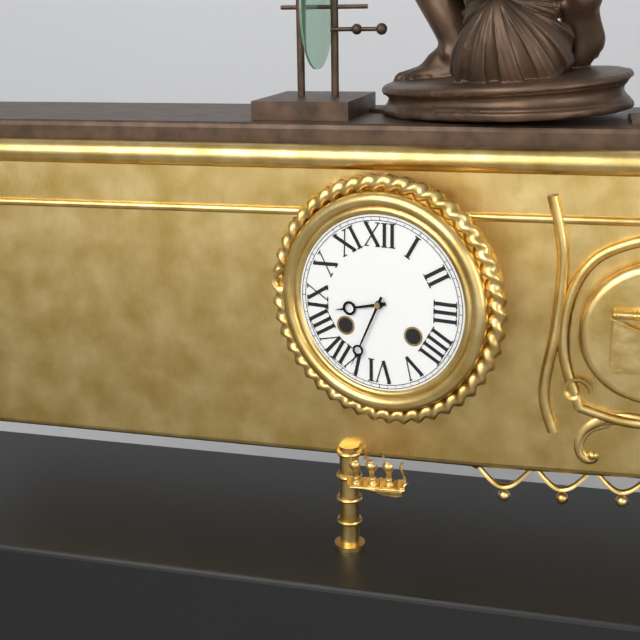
8:34
